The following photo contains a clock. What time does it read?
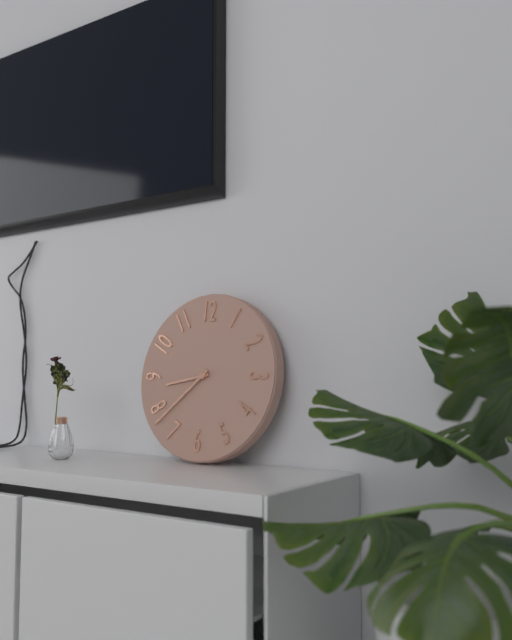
8:38
